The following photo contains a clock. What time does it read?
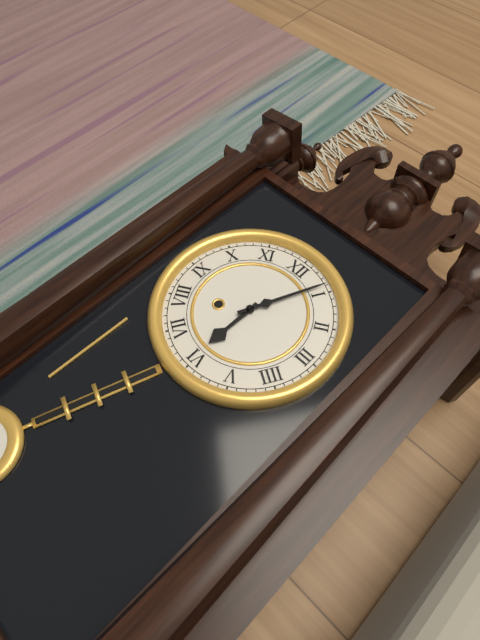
6:04
